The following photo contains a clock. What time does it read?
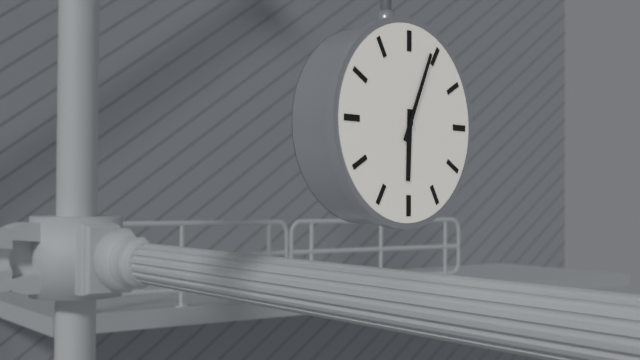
6:04
